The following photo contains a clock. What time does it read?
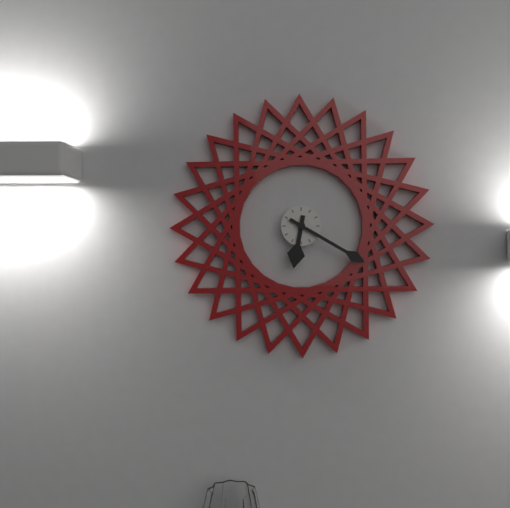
6:20
